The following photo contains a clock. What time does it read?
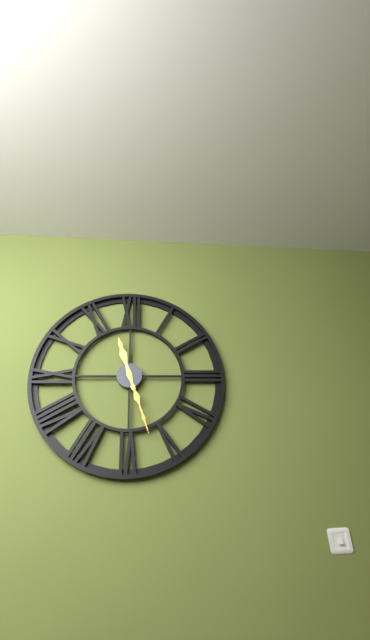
11:27
